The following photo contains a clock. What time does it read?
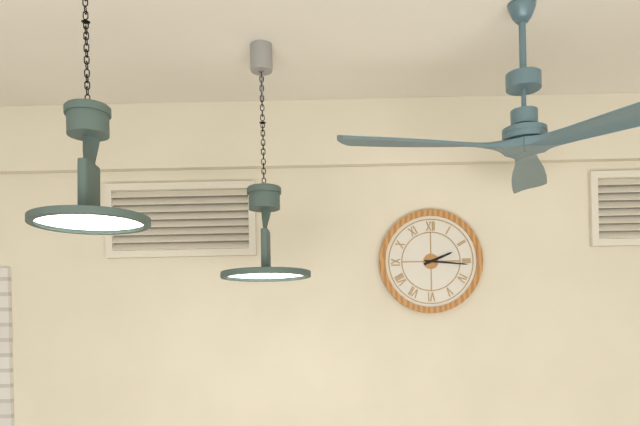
2:16
